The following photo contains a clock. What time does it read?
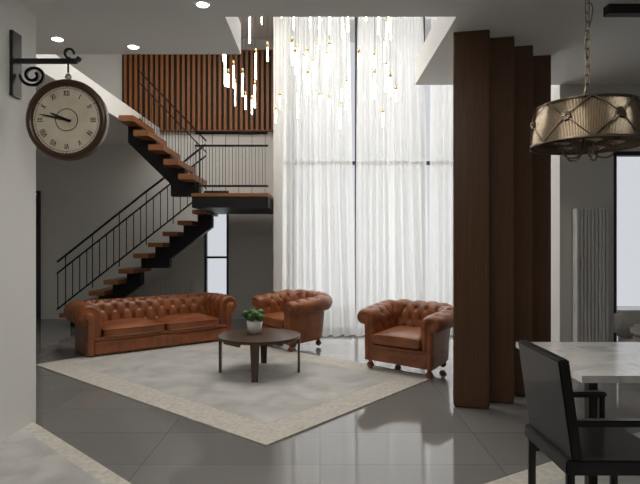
9:47
